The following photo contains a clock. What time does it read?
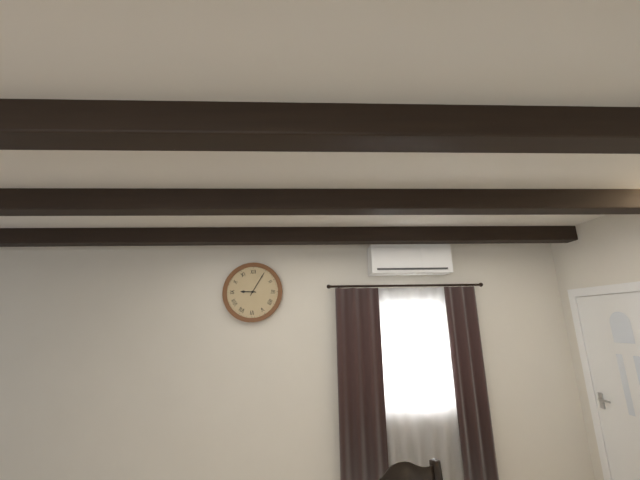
9:05
